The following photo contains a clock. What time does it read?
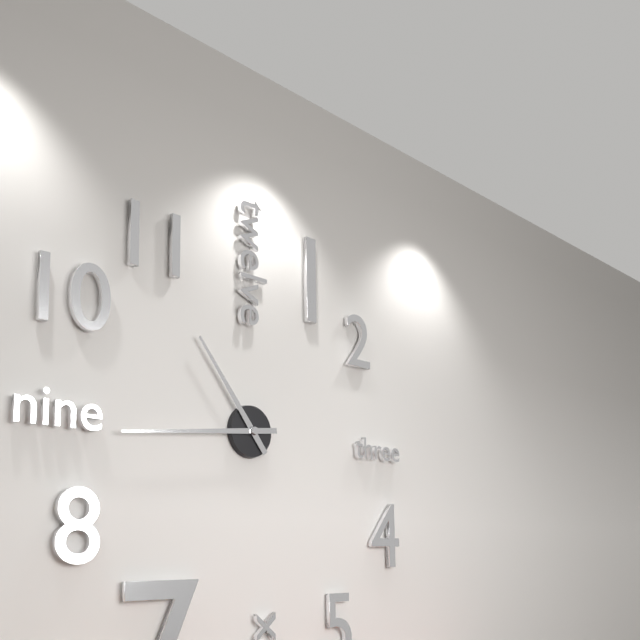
10:44
